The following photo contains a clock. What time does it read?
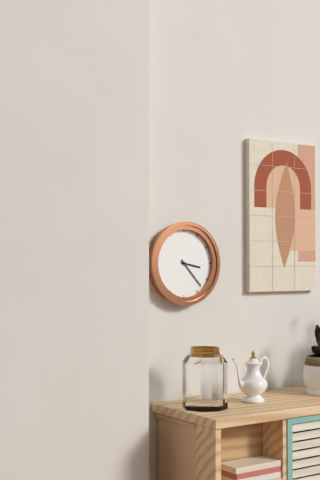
3:23
